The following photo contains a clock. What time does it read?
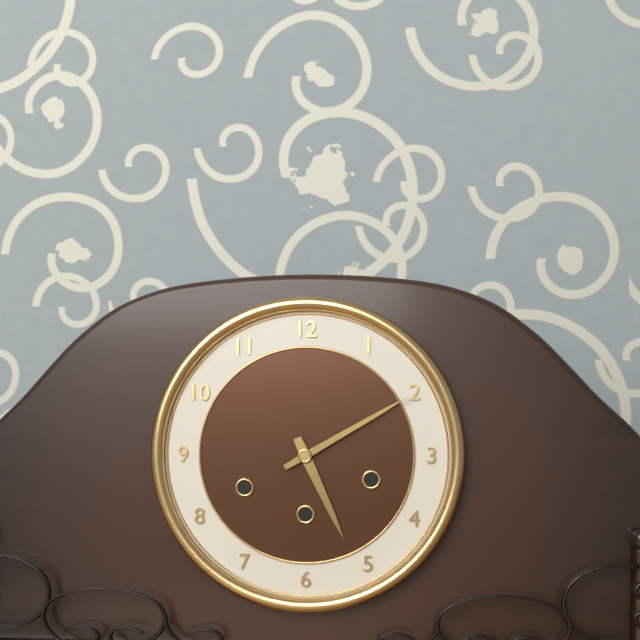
5:10
